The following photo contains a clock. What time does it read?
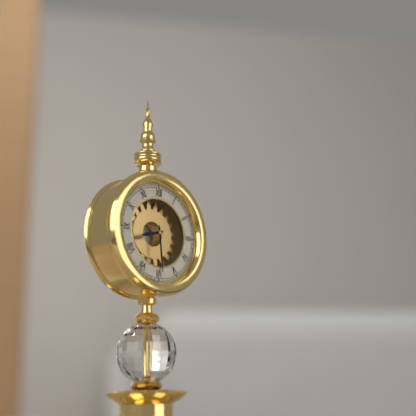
8:29
